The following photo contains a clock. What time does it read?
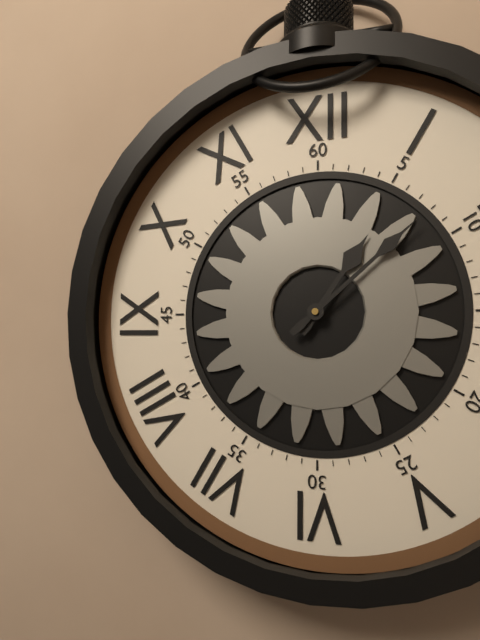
1:08
